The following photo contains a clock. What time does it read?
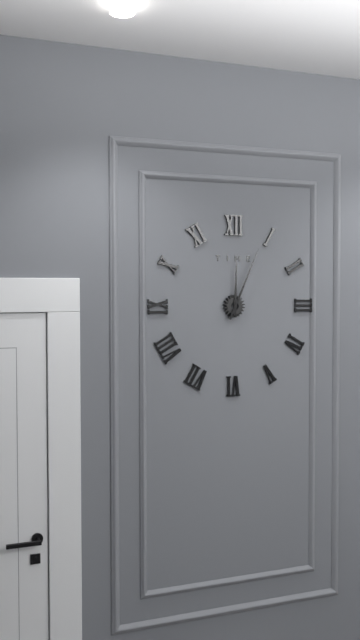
12:04
